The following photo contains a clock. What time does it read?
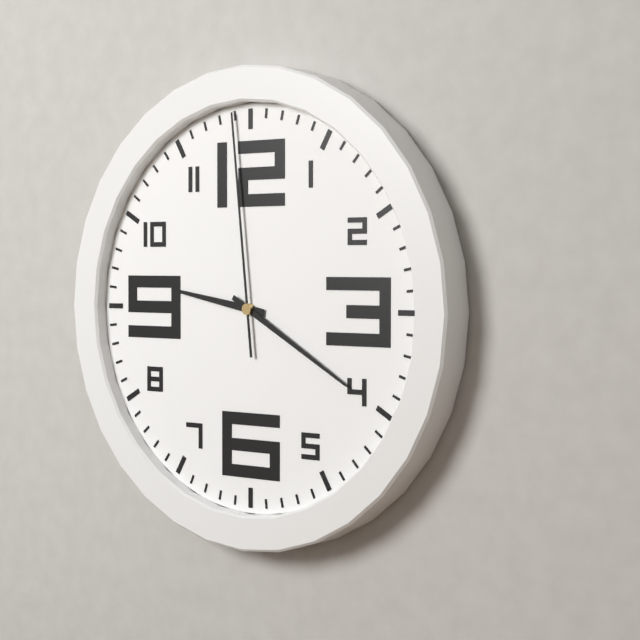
9:20:59
